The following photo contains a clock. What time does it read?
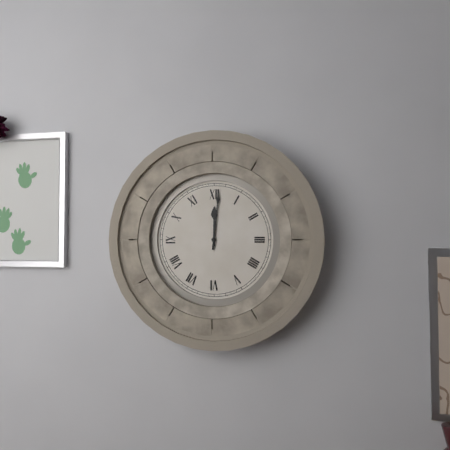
12:01
